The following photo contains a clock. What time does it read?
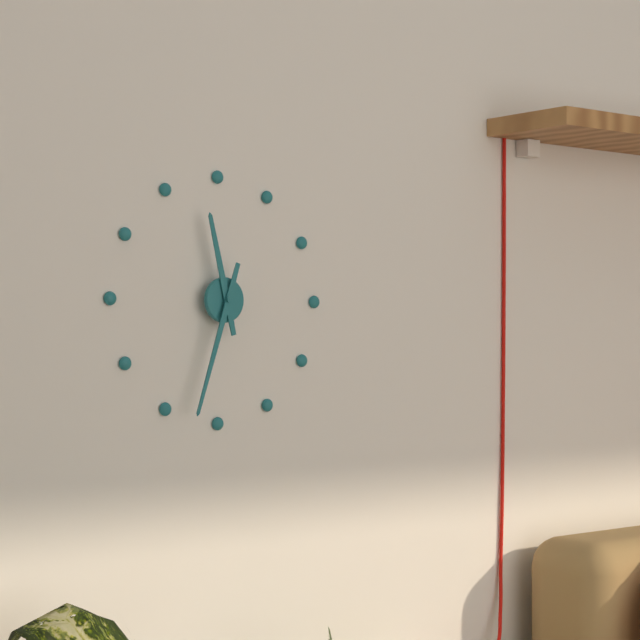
11:33
